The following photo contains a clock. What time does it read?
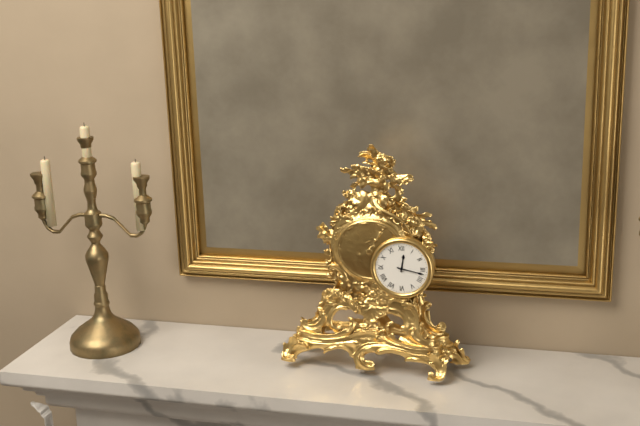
12:17
